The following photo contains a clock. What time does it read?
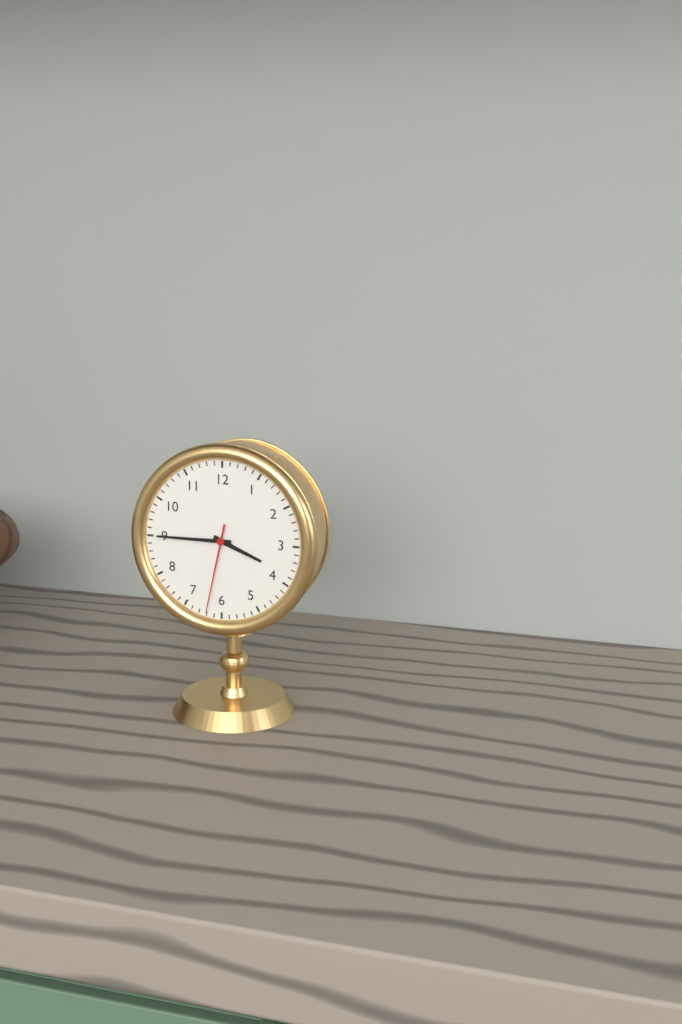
3:45:32
